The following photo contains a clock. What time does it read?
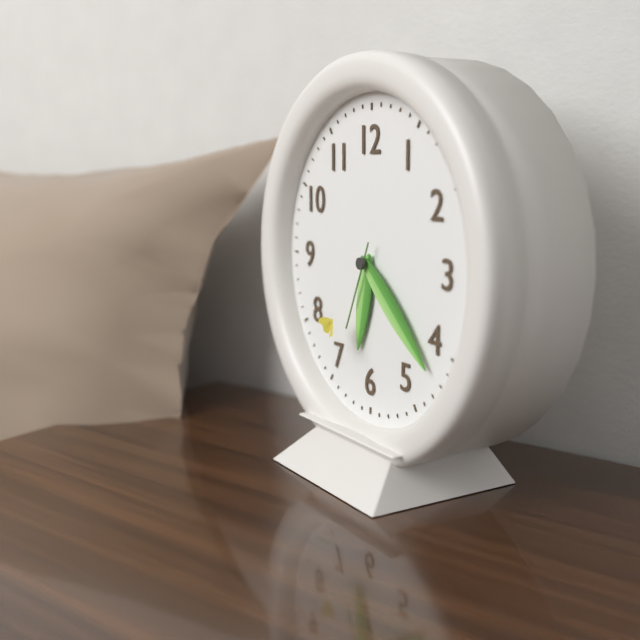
6:22:34
